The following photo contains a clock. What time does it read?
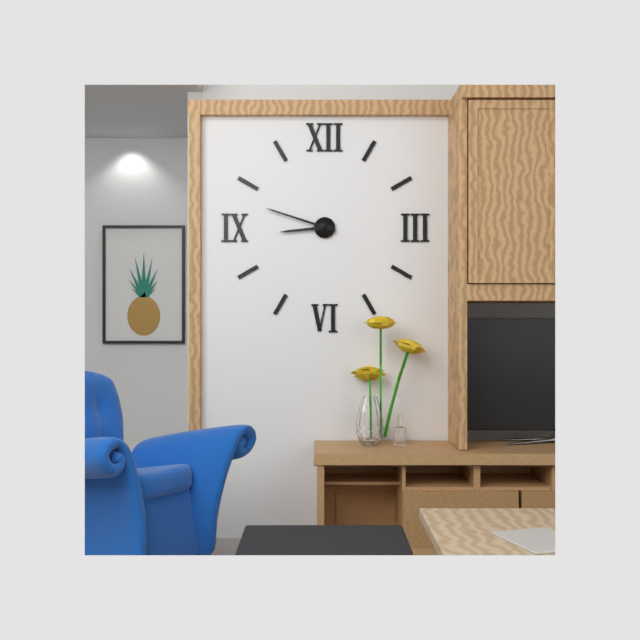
8:48
